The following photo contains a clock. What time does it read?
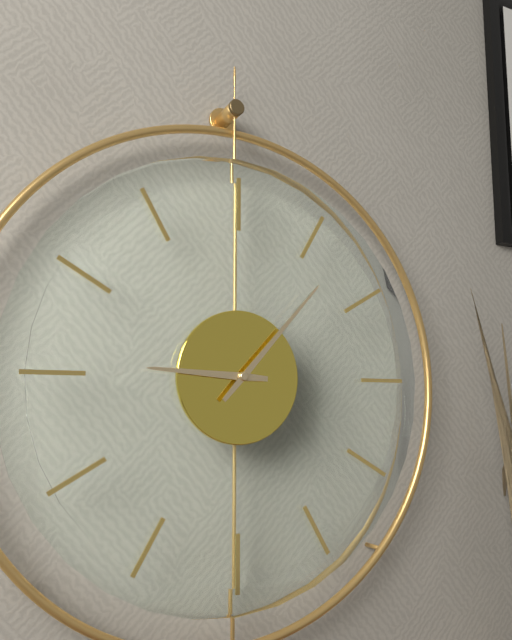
9:07
